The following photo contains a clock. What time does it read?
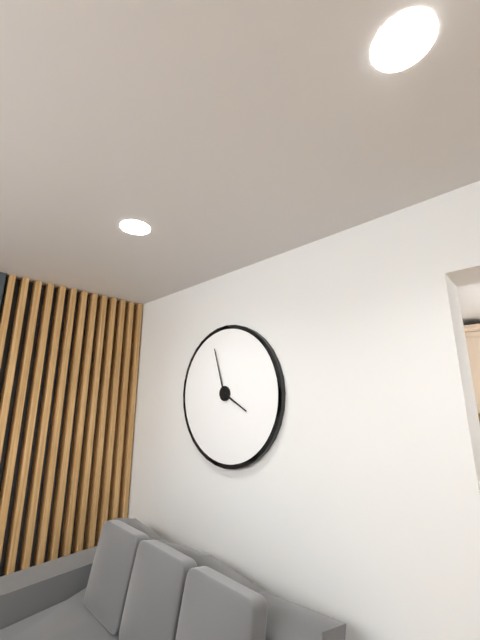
3:57
